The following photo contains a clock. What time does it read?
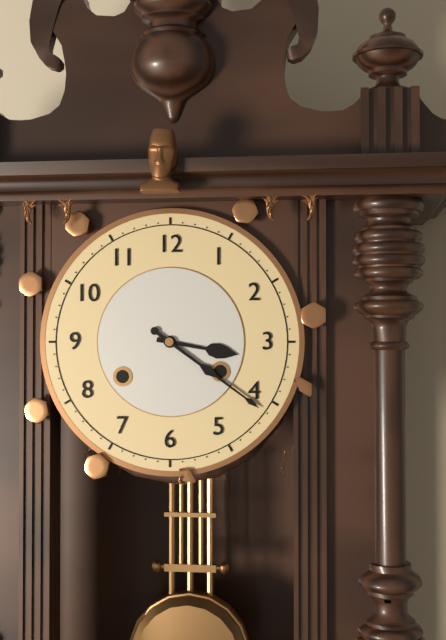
3:21
